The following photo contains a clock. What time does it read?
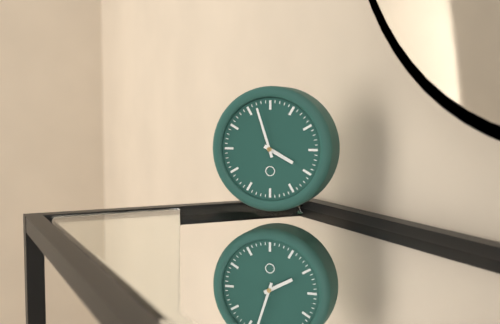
3:57
